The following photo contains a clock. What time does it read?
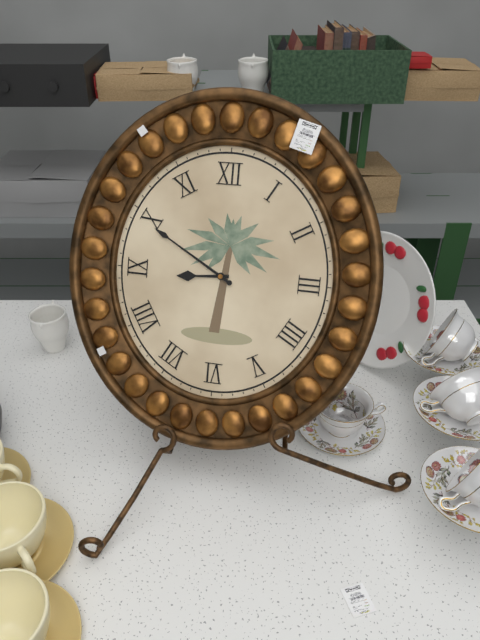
8:50
